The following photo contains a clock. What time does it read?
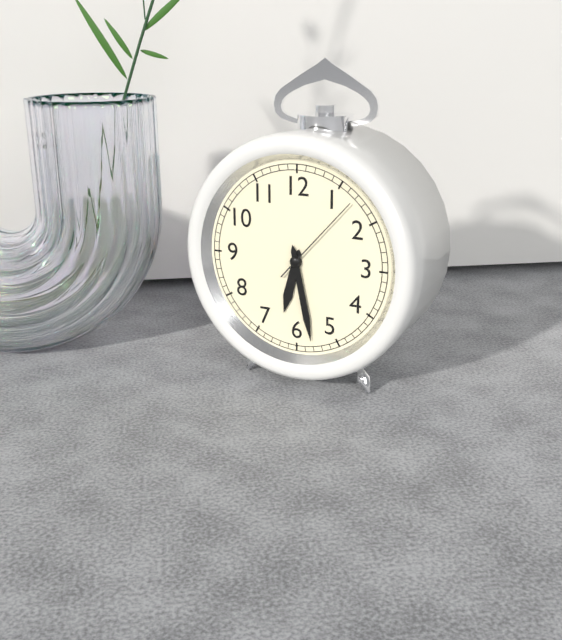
6:28:07
